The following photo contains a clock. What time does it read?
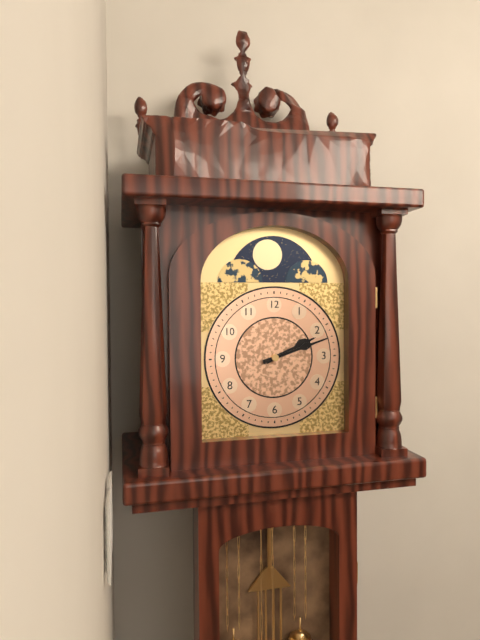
2:12
